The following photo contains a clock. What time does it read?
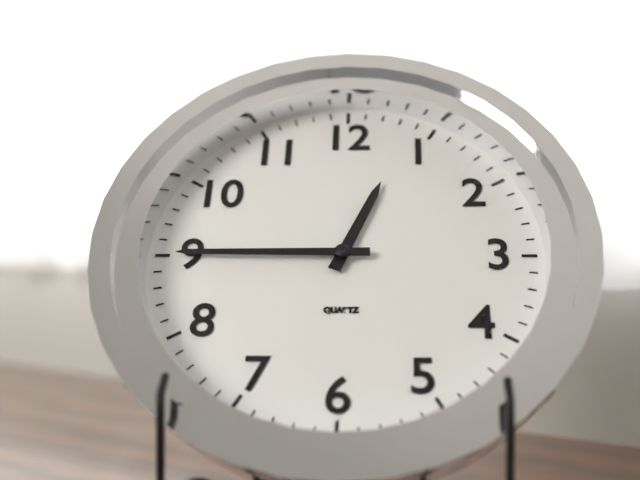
12:45
